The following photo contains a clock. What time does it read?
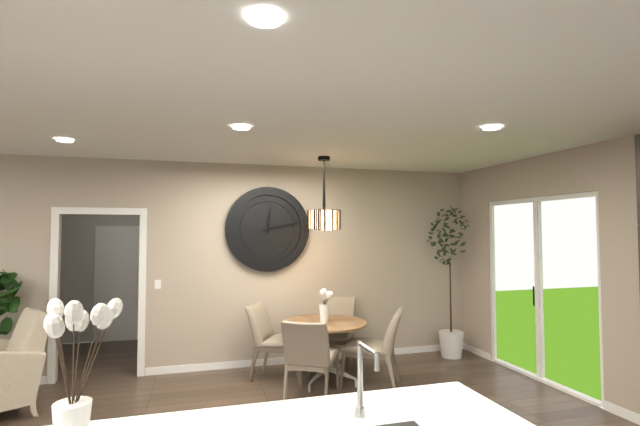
12:13
